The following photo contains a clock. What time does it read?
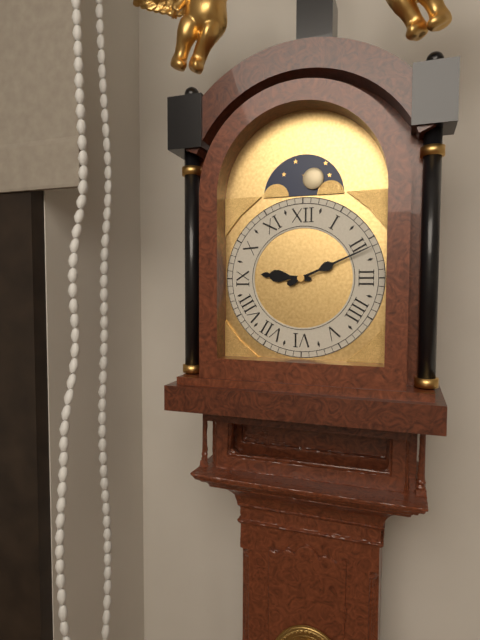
9:11
